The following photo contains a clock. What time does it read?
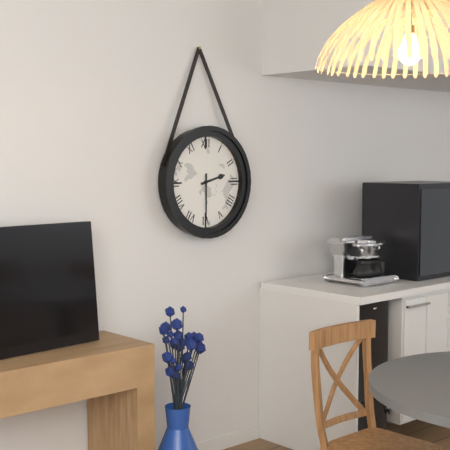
2:30
